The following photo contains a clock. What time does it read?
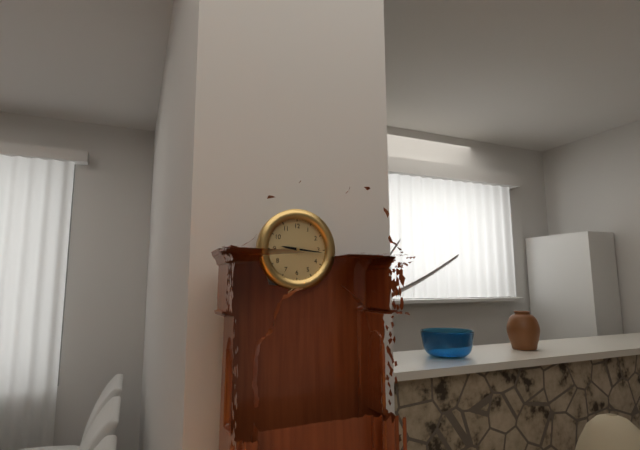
9:16
